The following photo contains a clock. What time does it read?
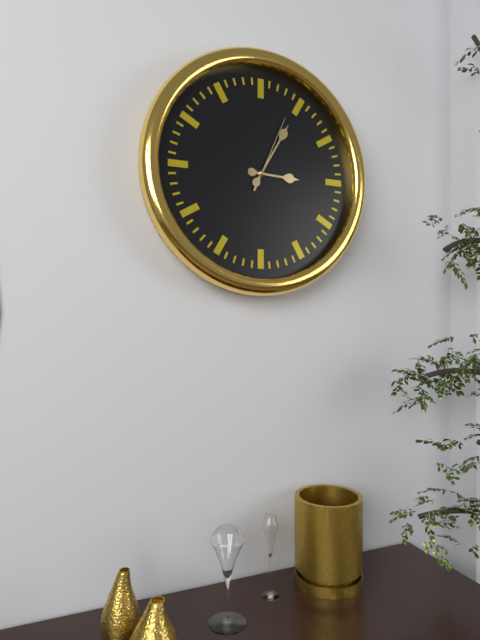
3:05:04
